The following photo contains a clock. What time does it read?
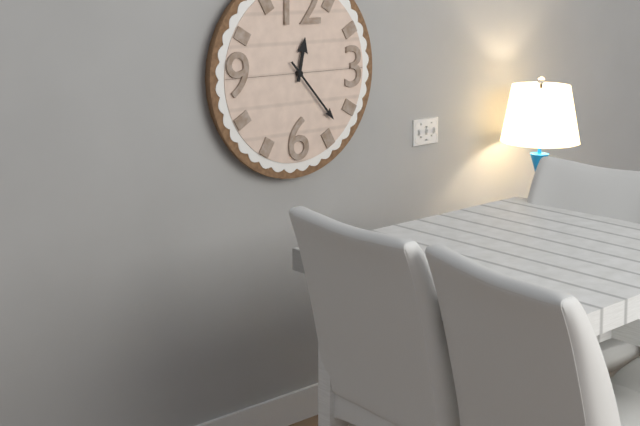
12:23
